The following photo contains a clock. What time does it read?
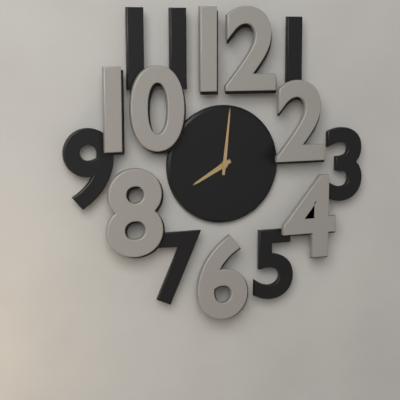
8:01
